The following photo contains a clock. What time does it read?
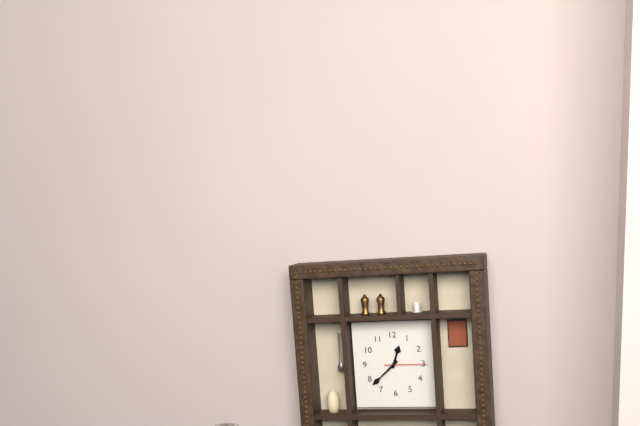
12:38
